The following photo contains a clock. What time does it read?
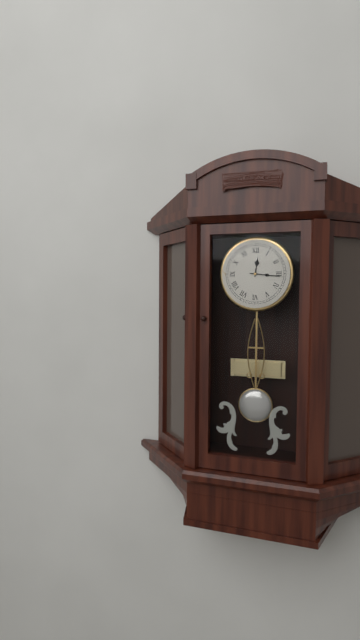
12:16
